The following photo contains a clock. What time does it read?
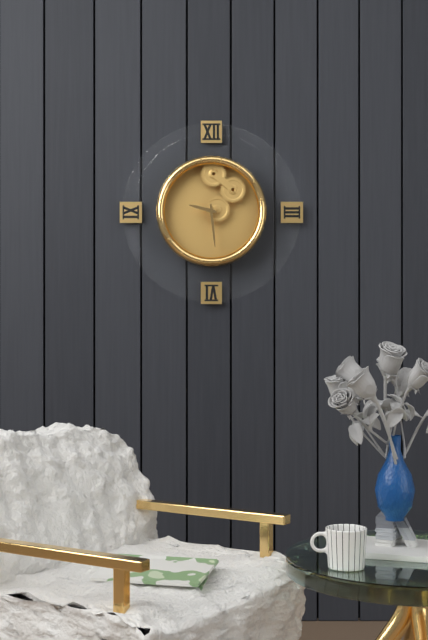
9:29
